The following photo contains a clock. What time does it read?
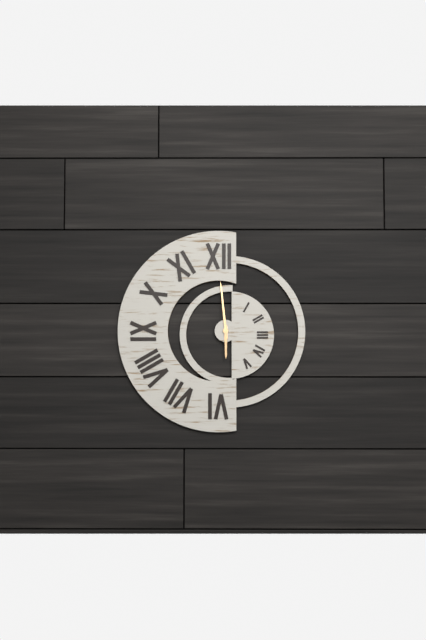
5:59
